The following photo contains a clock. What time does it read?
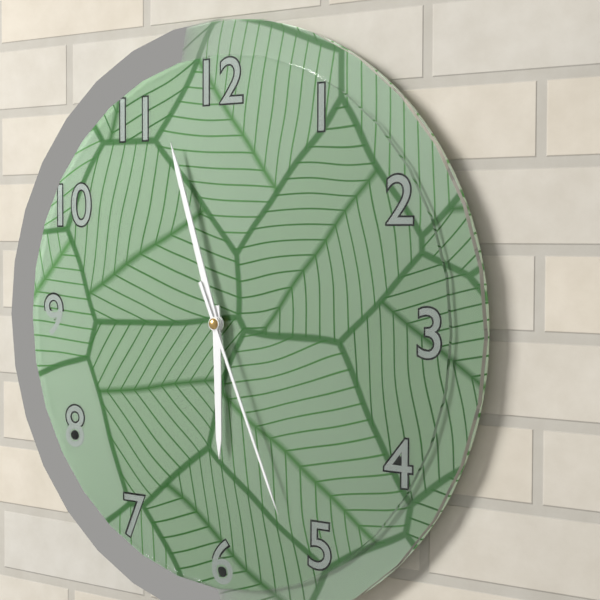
5:57:26
